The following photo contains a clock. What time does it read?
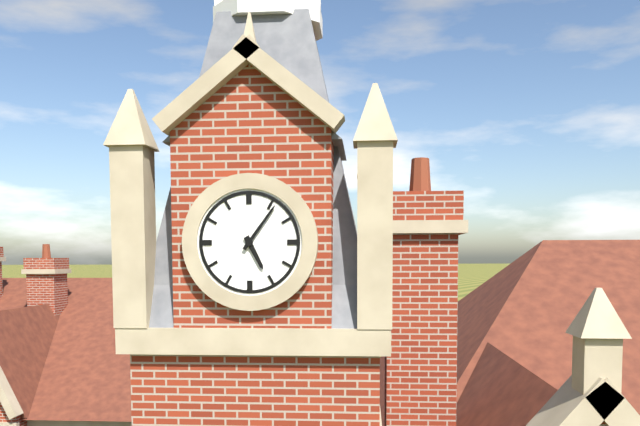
5:06
